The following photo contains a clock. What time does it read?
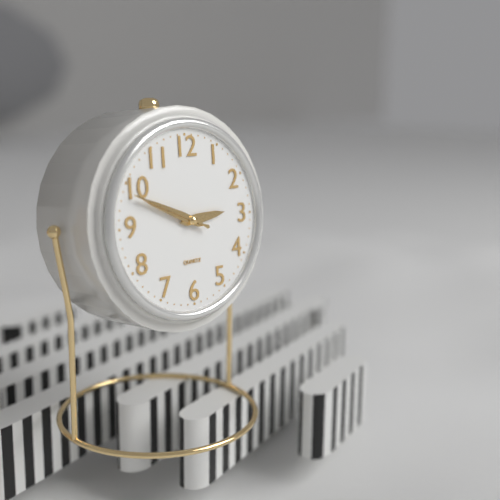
2:49:49
